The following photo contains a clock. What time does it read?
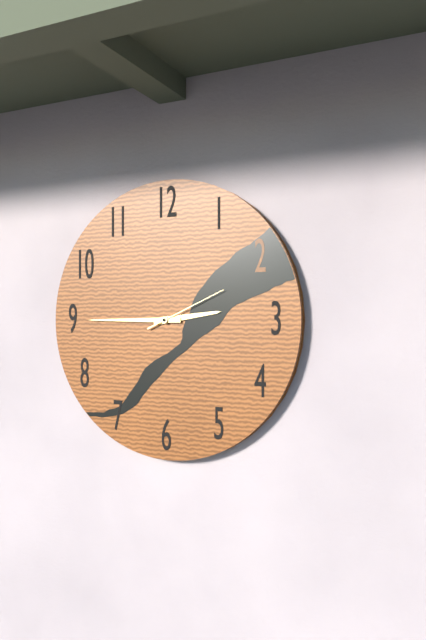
2:45:11
